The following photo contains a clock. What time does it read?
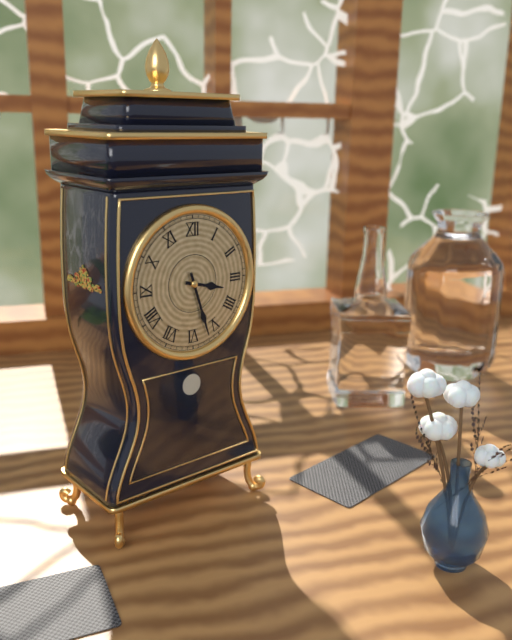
3:27
